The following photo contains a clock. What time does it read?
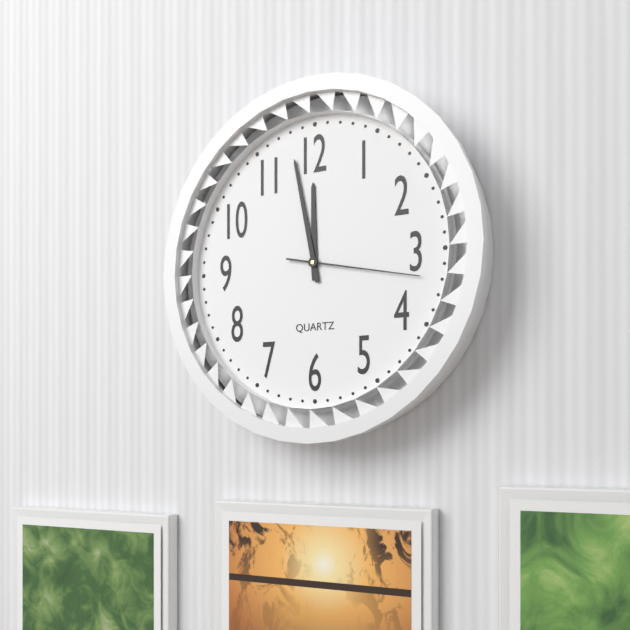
11:58:17
